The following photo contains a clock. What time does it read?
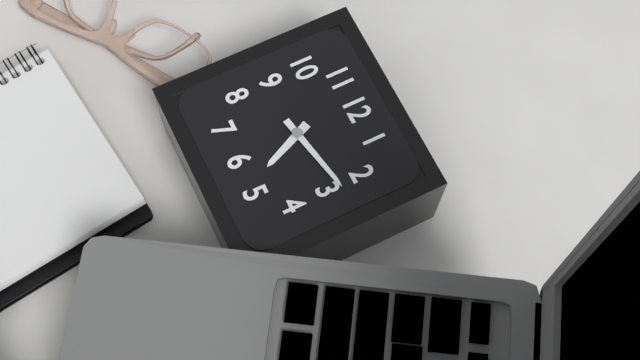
5:13
